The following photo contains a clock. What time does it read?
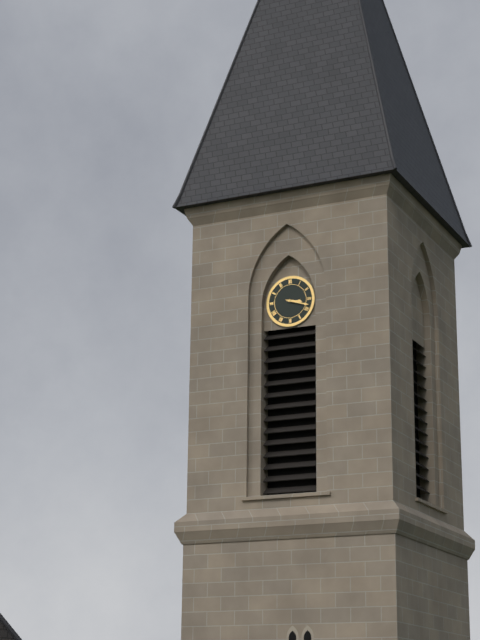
3:18
